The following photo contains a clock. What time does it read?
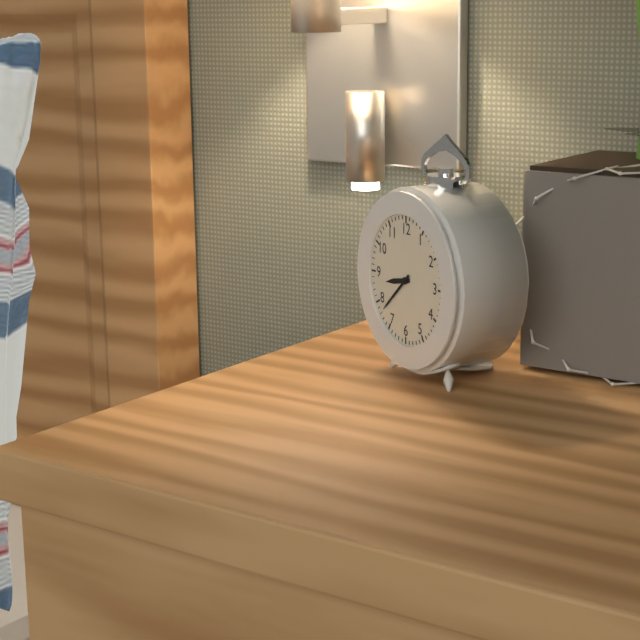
8:38
